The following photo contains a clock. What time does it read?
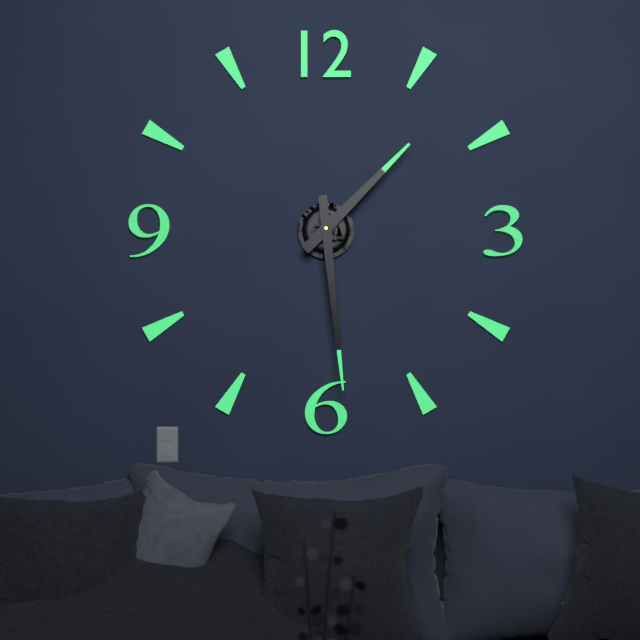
1:29
